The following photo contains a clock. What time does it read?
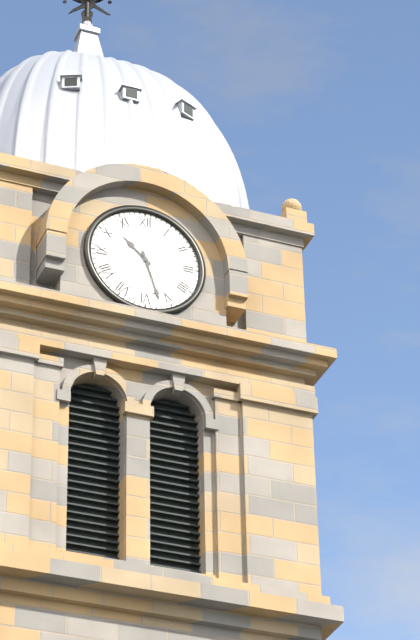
10:27
